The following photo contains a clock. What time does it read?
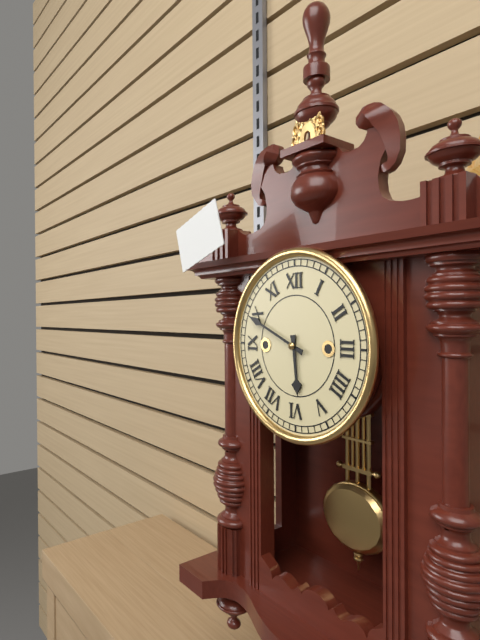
5:49
